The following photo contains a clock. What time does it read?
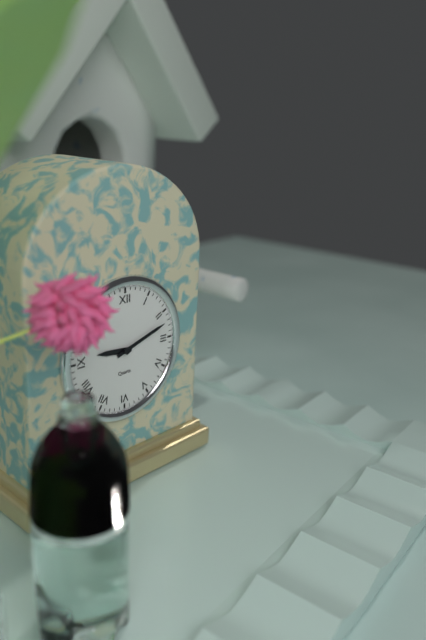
9:12
